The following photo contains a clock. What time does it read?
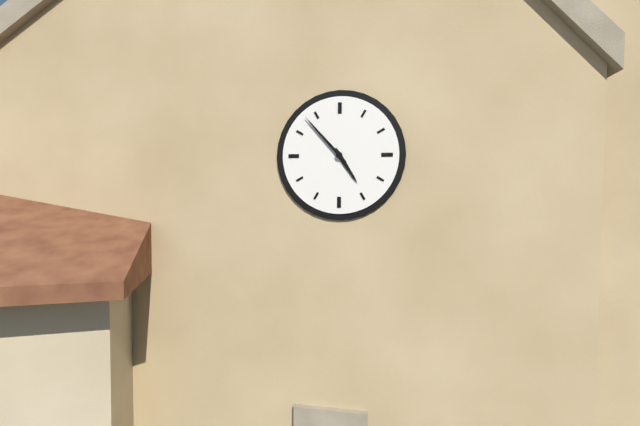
4:53
